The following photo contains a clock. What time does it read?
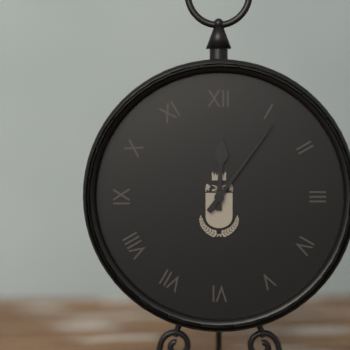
12:06
